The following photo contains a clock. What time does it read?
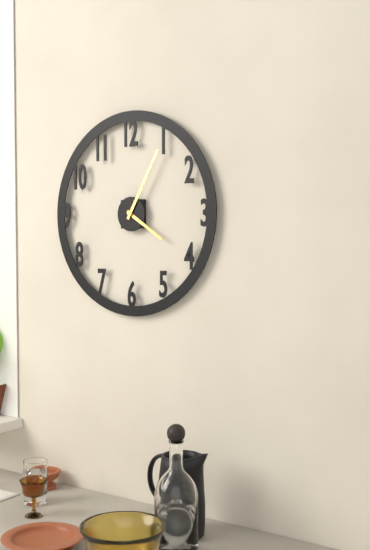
4:05
